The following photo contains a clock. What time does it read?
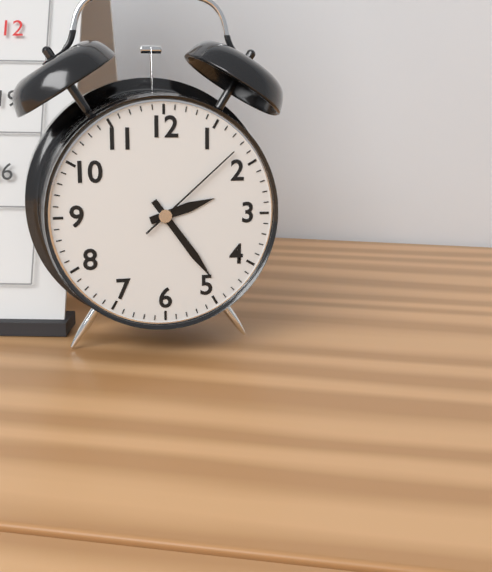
2:24:08
